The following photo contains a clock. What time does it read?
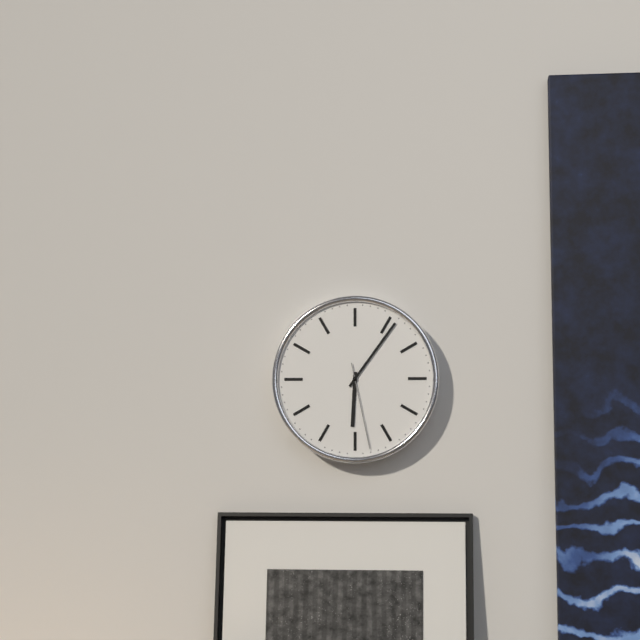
6:06:28
